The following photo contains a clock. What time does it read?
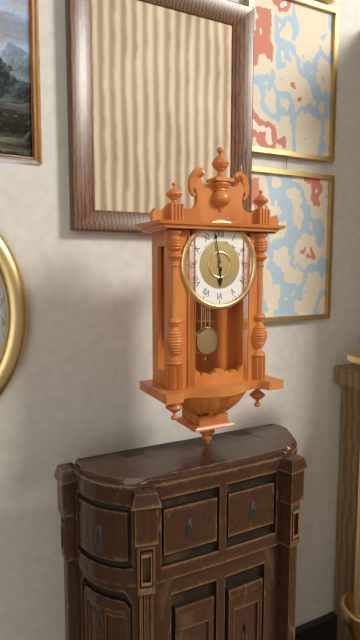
5:58
